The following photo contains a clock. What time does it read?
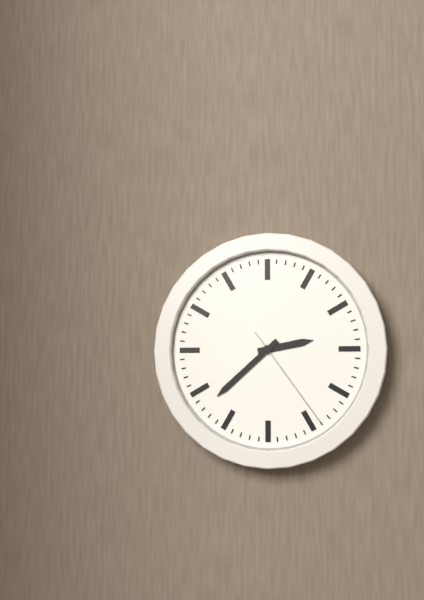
2:38:24
